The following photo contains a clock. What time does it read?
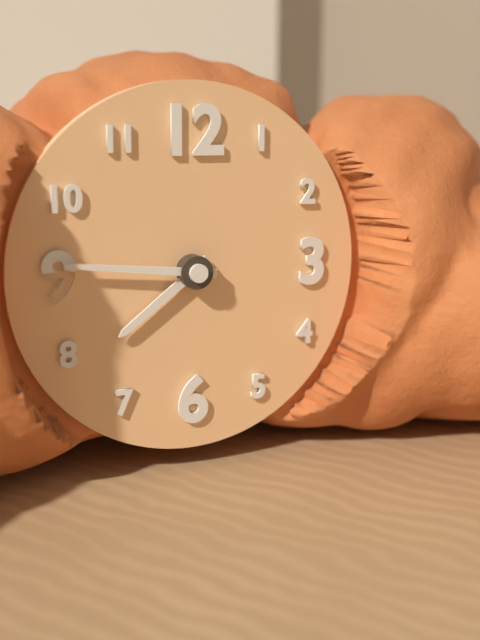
7:46
